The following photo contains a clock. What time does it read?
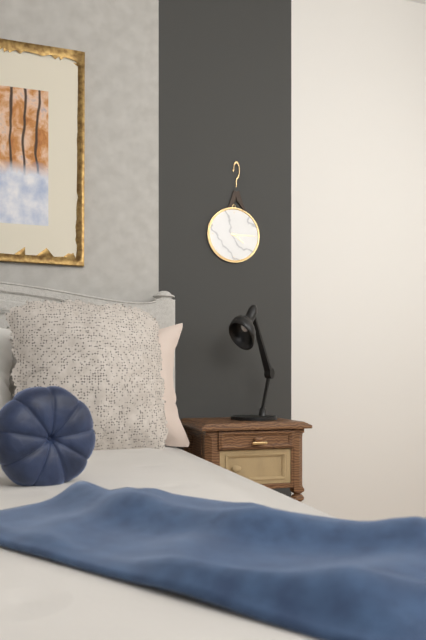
4:15
